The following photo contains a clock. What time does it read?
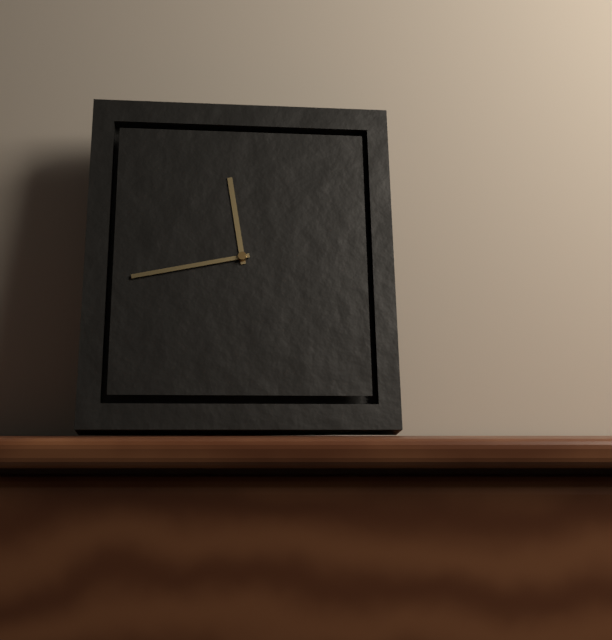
11:43
